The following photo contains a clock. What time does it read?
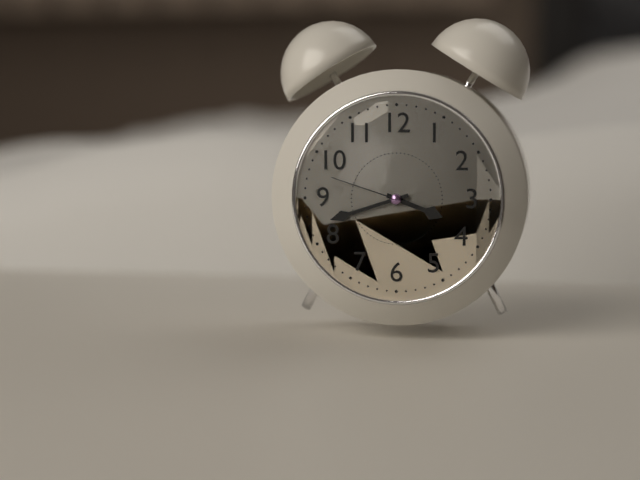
3:42:48
